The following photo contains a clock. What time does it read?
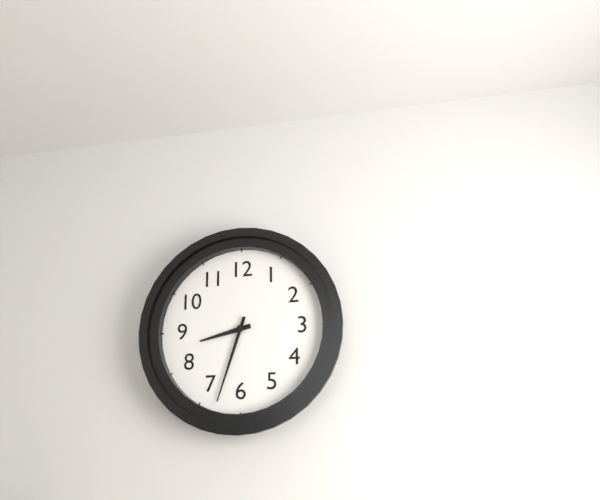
8:33
